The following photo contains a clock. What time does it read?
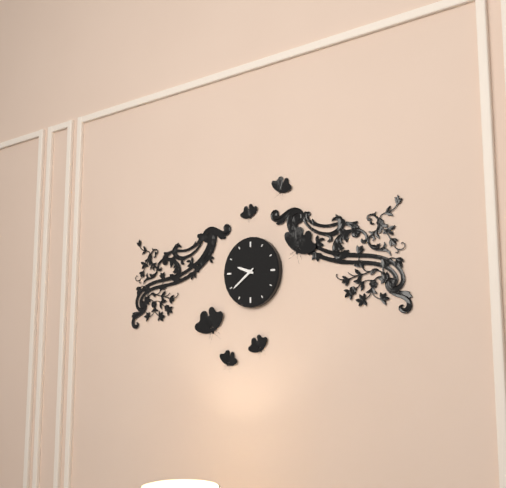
9:39
